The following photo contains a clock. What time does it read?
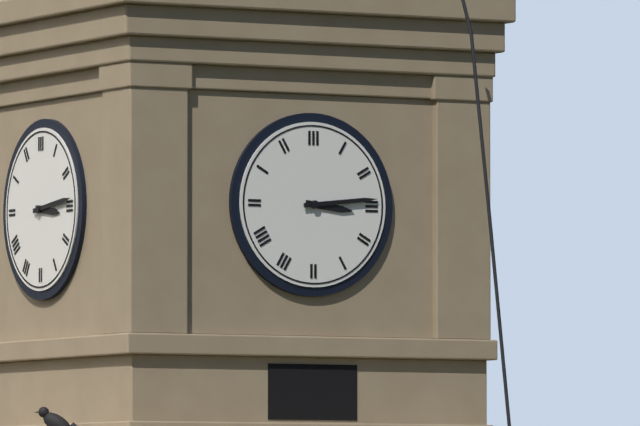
3:14
